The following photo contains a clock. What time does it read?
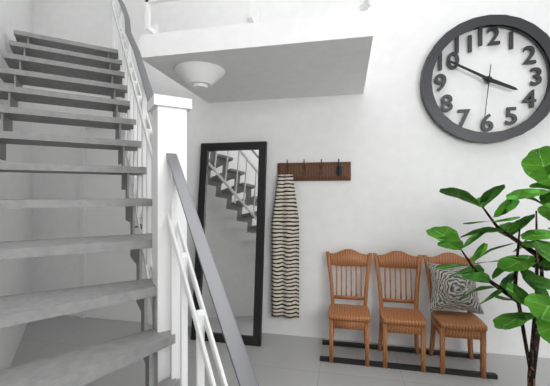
3:50:31
